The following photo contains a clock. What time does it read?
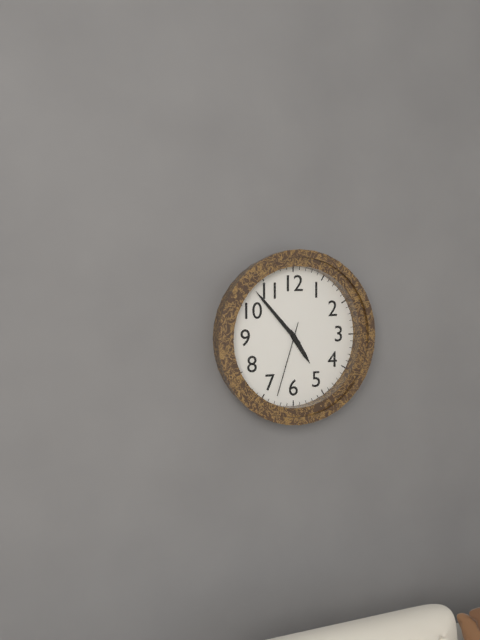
4:53:33
